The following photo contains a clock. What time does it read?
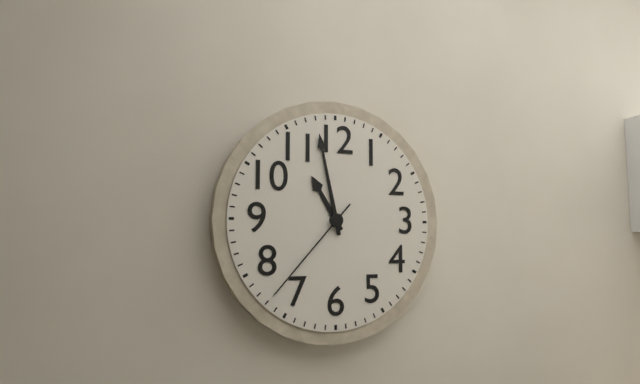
10:58:37
